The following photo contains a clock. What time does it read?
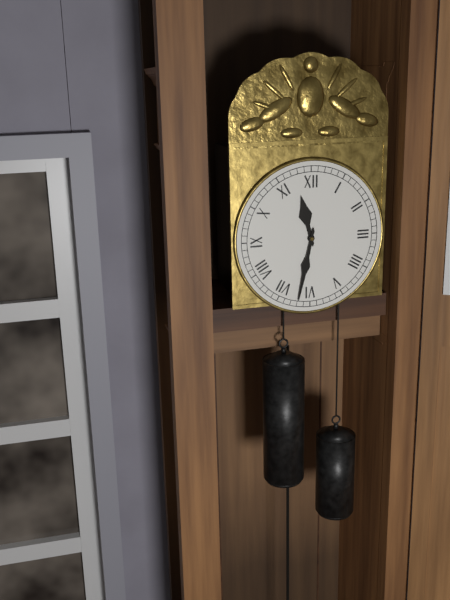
11:32
